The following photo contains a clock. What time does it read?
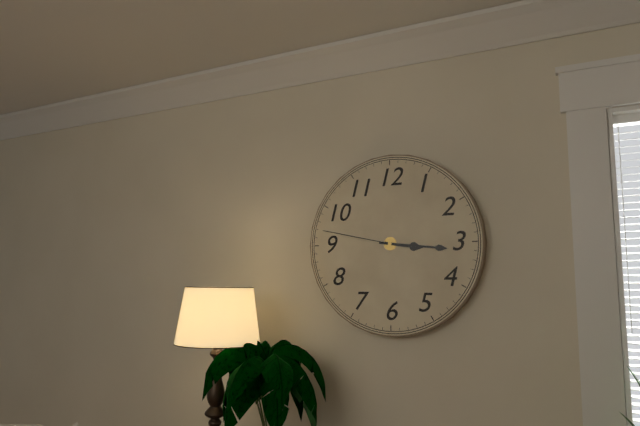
3:16:47
